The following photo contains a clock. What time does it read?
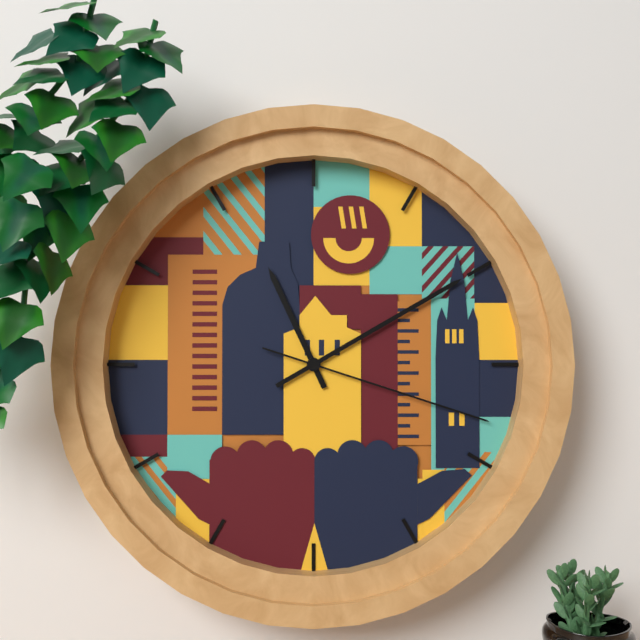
11:10:18
